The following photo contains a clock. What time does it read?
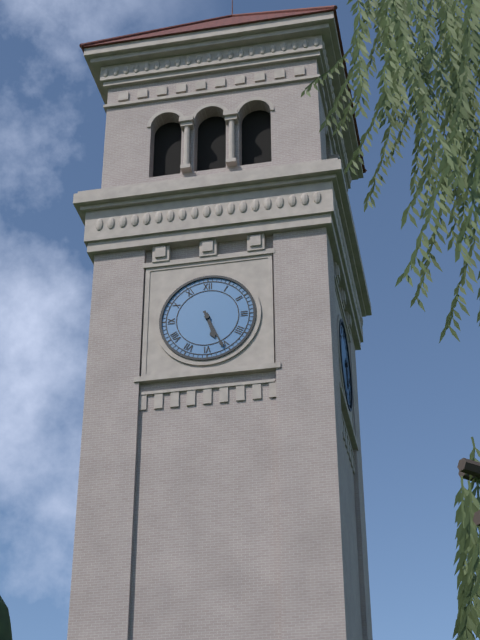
5:26
